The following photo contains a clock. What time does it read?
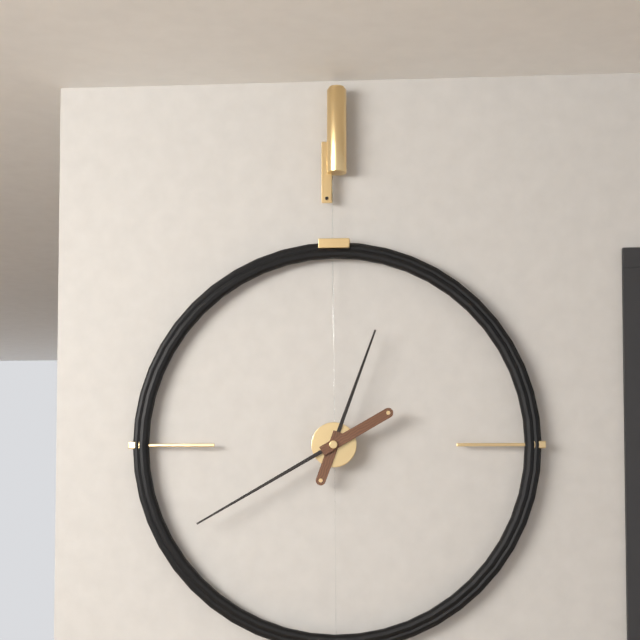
12:40
